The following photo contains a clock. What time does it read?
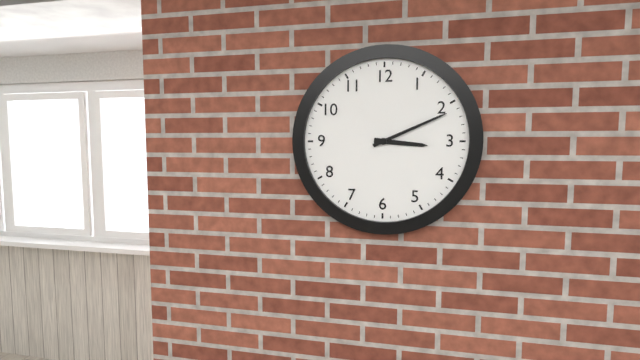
3:11
